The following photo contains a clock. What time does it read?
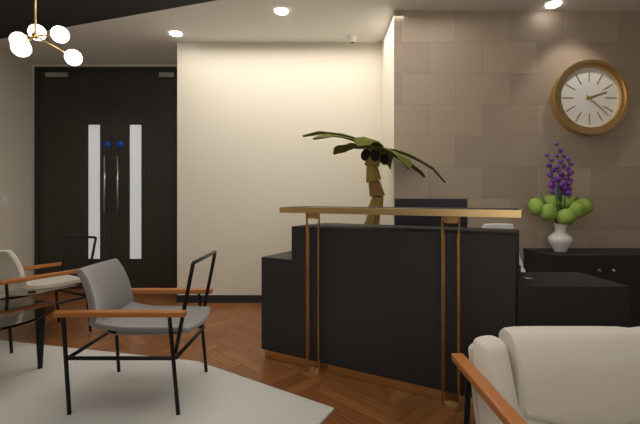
2:22
